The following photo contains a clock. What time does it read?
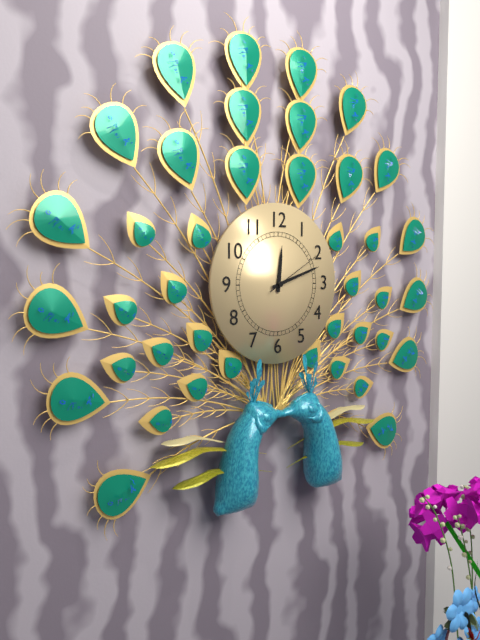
12:12:10
